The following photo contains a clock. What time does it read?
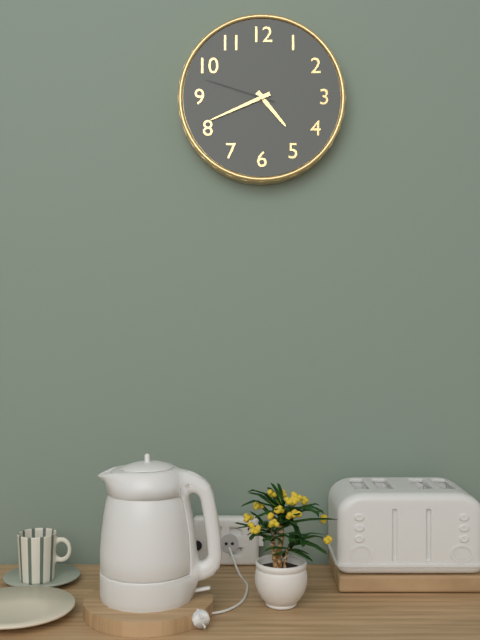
4:41:48
